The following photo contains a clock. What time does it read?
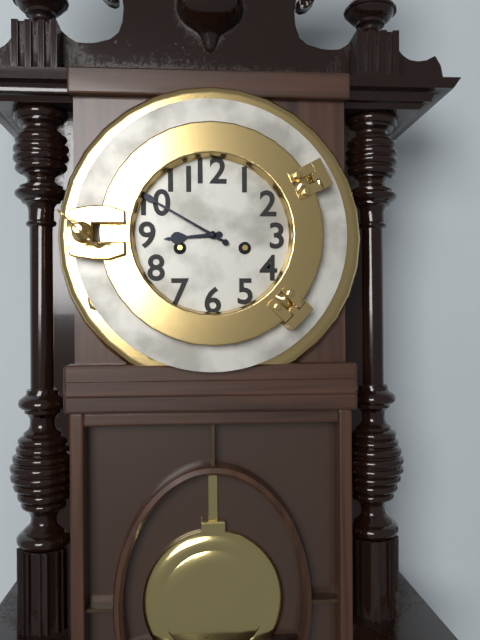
8:50
